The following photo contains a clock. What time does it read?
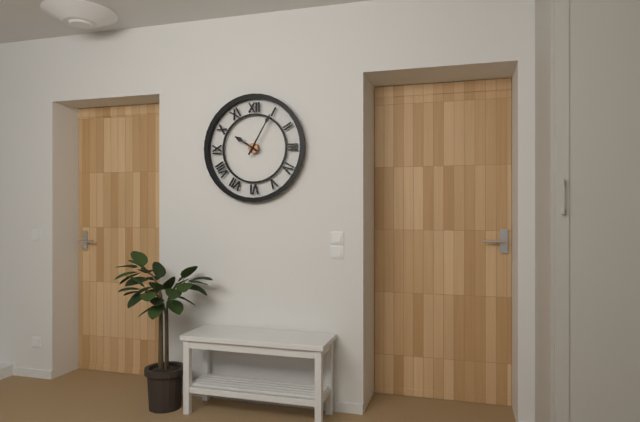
10:05
